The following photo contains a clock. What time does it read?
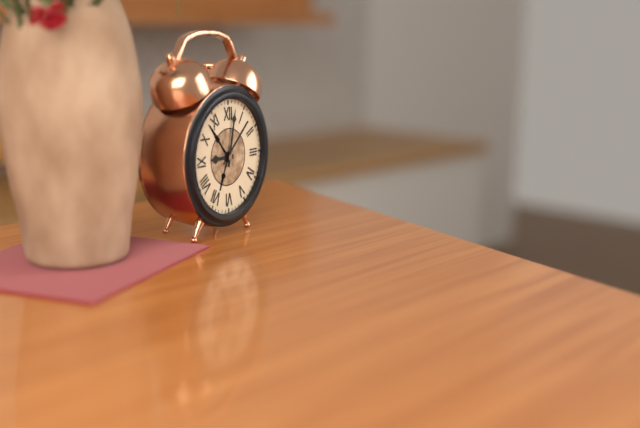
9:02
